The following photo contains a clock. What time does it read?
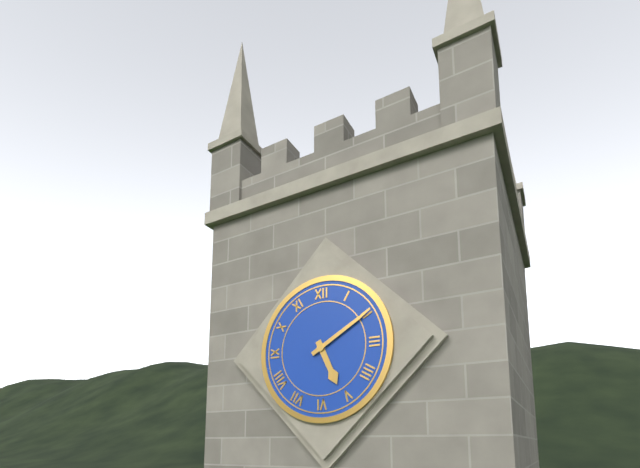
5:10
